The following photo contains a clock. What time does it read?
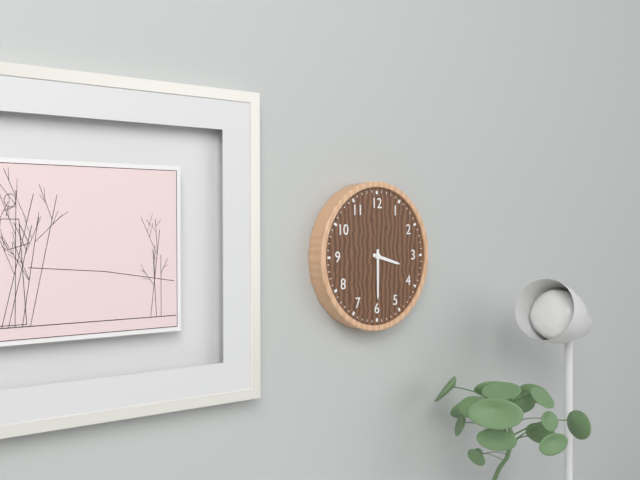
3:30
